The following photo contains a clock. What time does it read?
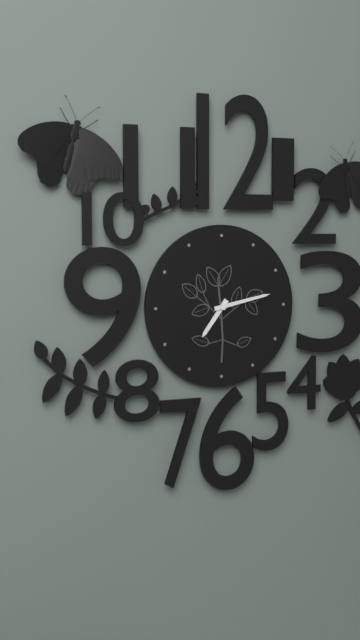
7:13
